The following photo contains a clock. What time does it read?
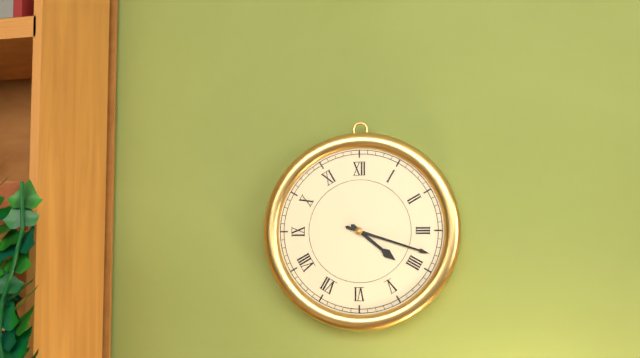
4:18
